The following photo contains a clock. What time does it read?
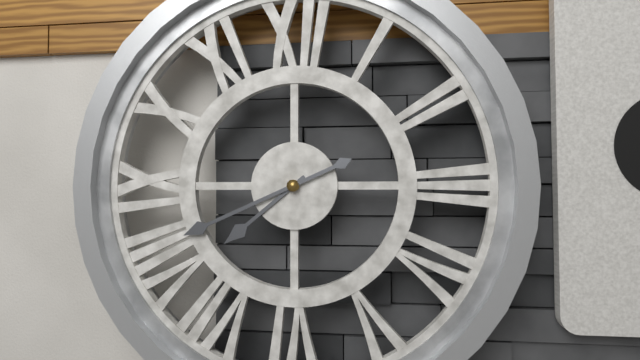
7:41
